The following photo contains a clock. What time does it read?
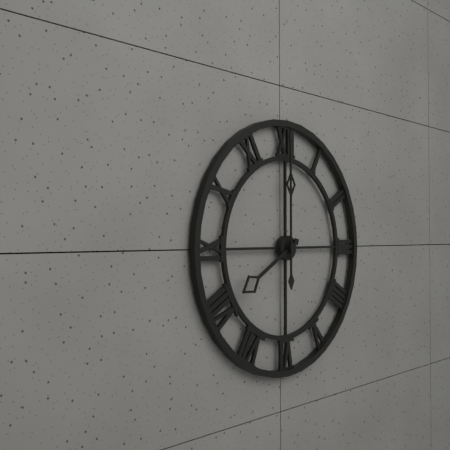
8:00
